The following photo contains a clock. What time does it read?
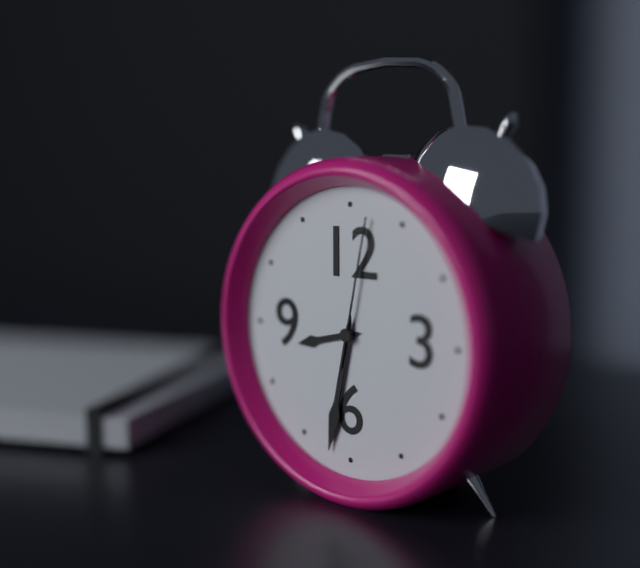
8:32:02
